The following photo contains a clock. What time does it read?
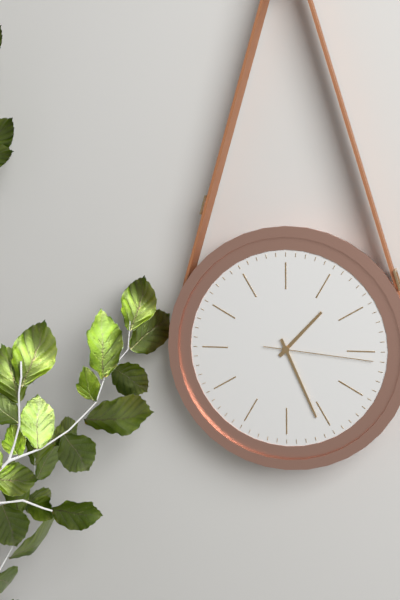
1:26:16
